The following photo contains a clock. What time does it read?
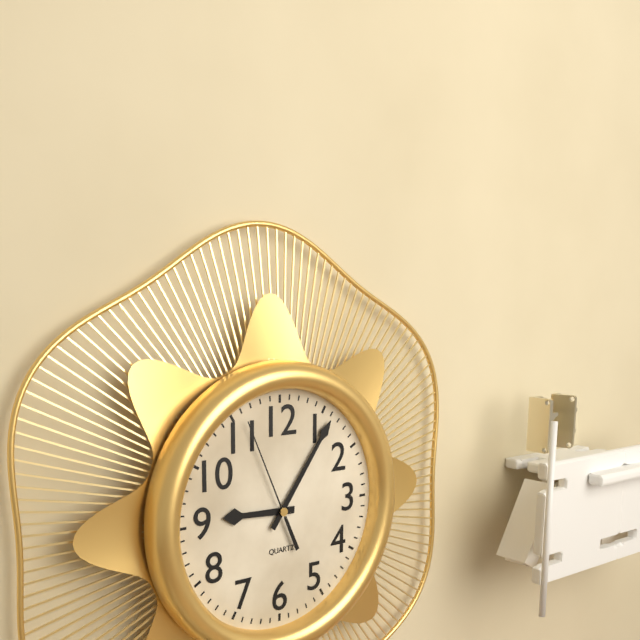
9:06:56
